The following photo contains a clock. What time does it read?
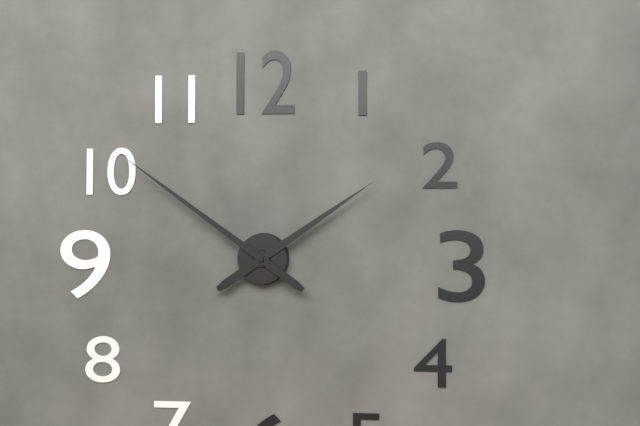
1:51
